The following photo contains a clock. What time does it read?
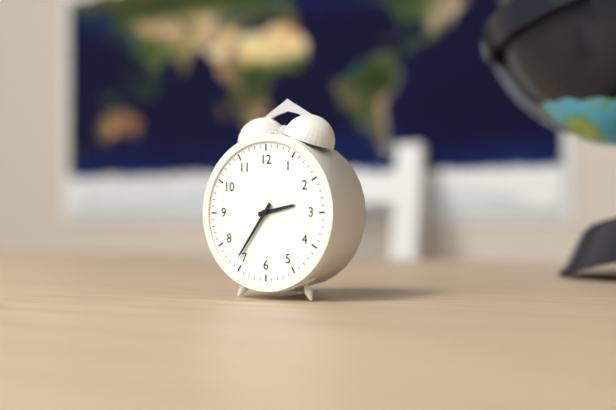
2:36
